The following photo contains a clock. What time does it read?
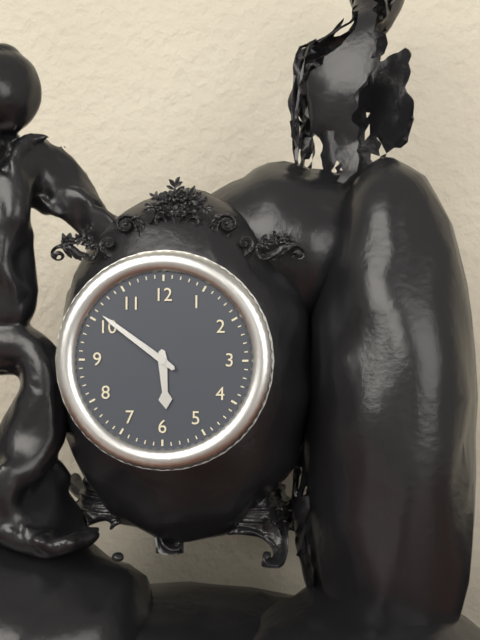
5:51
